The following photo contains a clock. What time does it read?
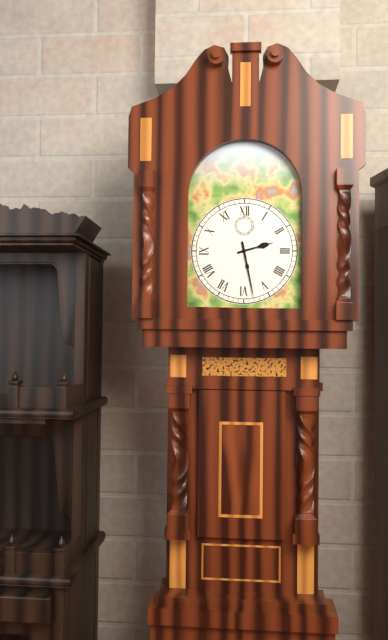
2:28
